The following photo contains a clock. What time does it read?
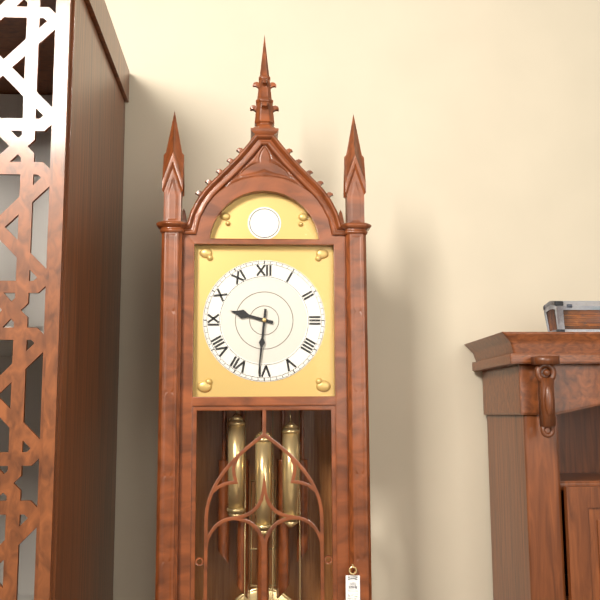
9:31
